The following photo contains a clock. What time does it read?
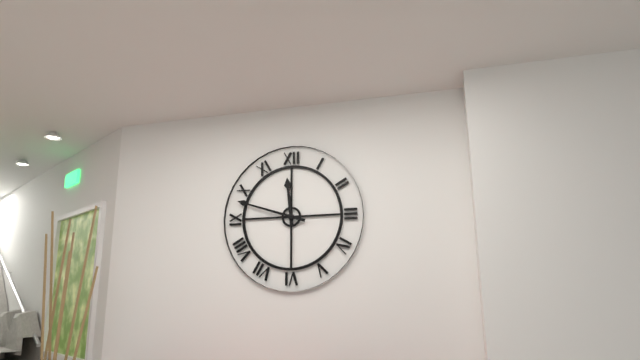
11:48
